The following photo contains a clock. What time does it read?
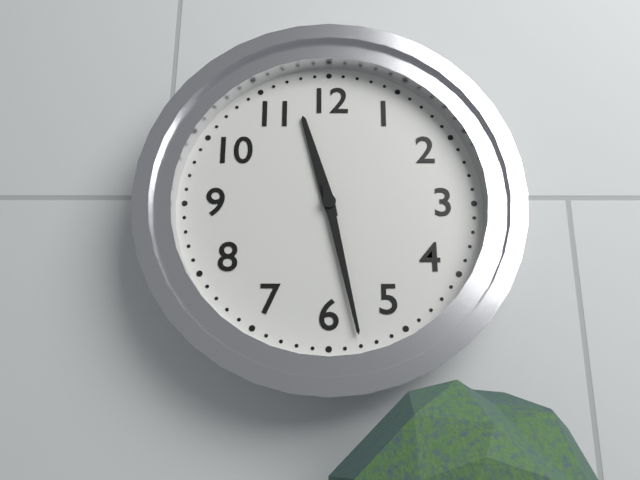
11:28
